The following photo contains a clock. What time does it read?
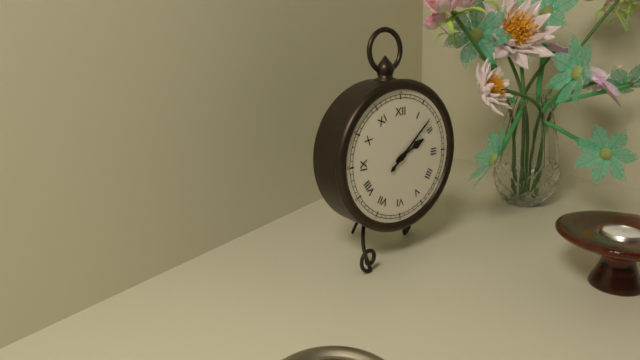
2:08
